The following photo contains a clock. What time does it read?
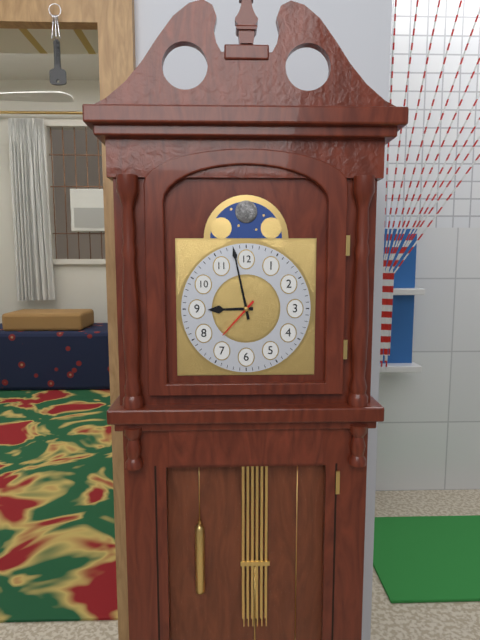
8:58
